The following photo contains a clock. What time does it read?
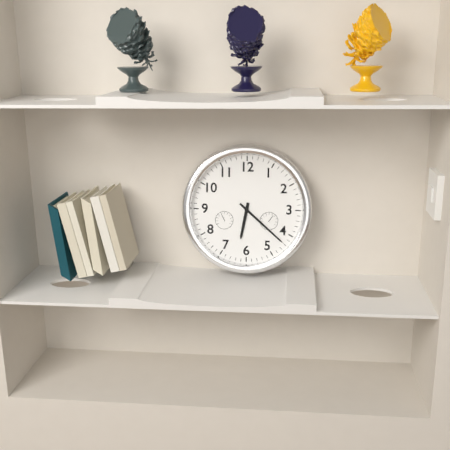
6:22
